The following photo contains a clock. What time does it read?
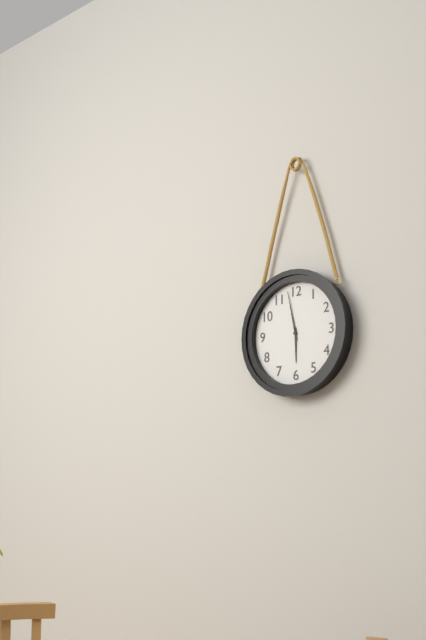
5:58
